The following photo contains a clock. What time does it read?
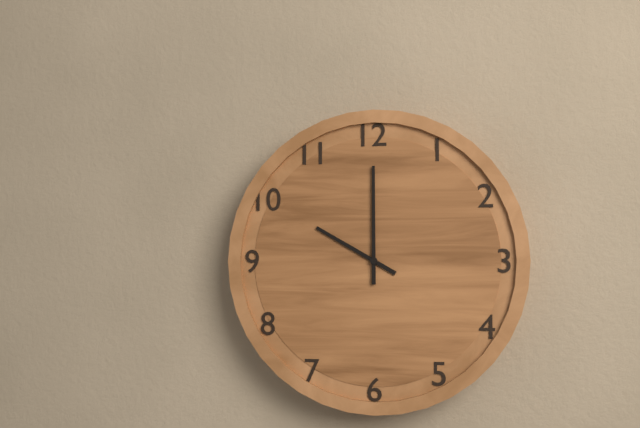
10:00
